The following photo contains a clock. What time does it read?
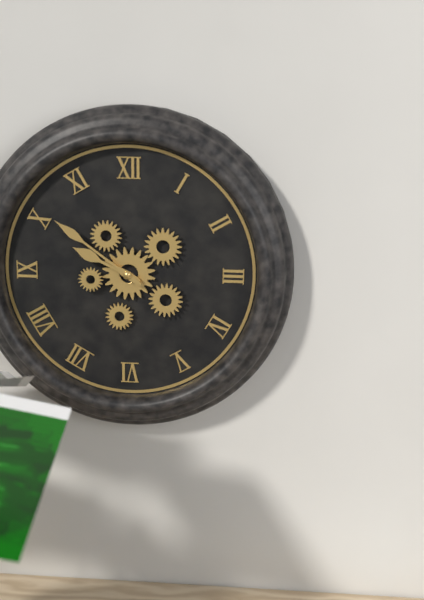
9:51
